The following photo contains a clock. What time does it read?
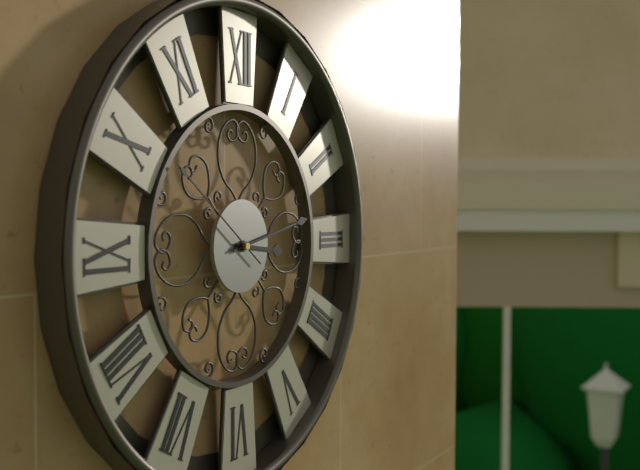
3:13:51
